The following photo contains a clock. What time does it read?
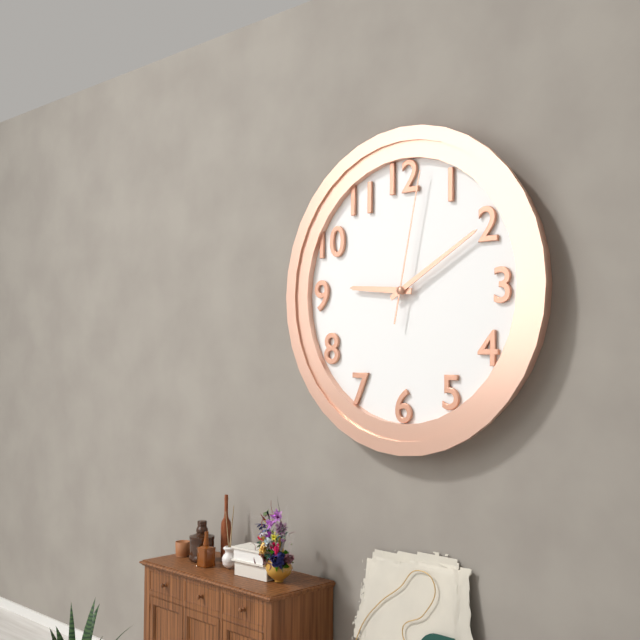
9:10:02
